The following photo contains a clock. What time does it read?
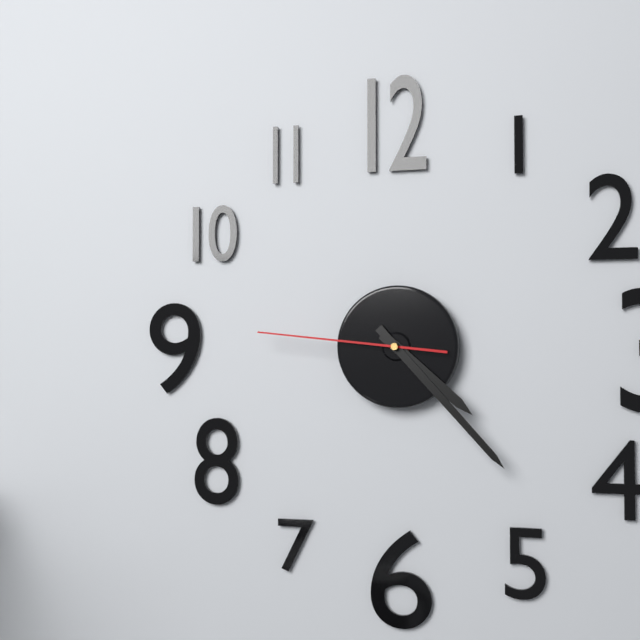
4:23:46
